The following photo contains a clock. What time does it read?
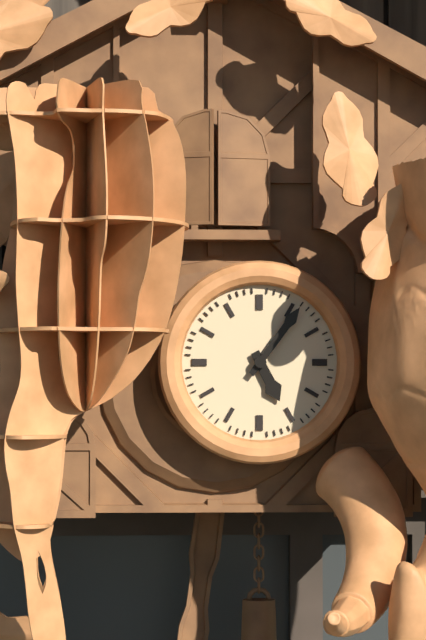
5:06
